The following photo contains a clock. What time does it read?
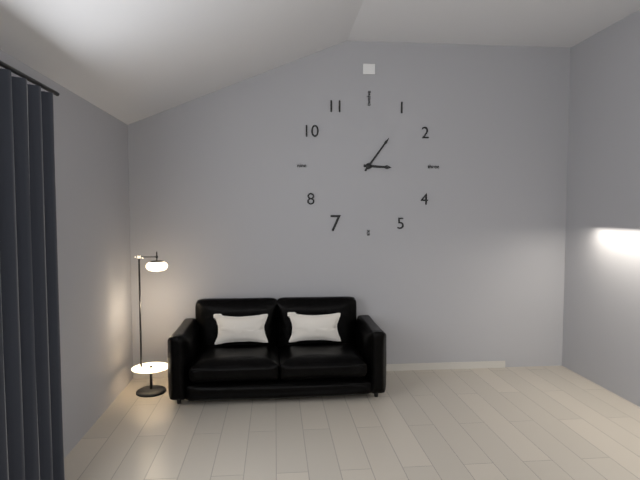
3:06
